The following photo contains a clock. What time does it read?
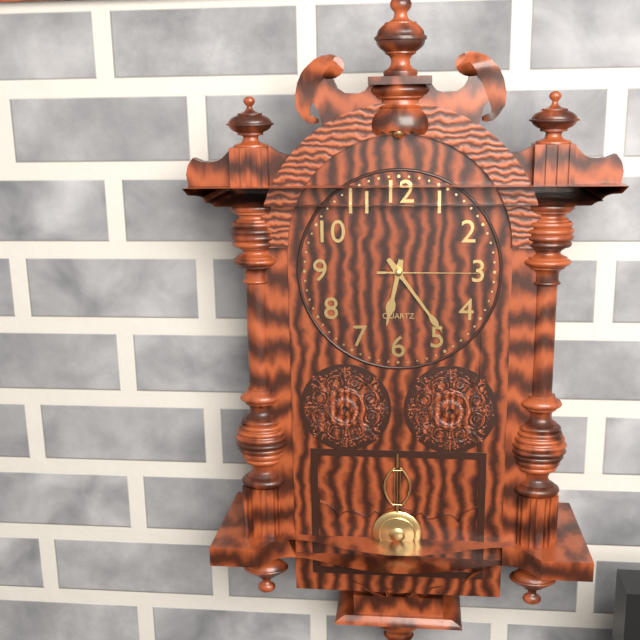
6:24:15
